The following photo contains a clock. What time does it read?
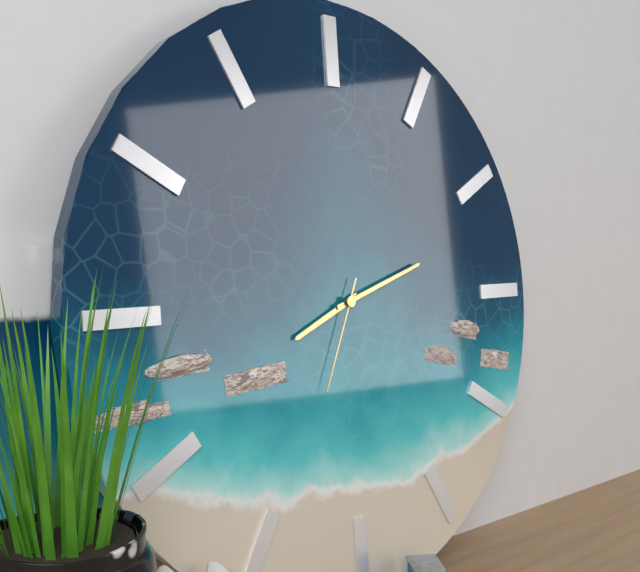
8:12:34
